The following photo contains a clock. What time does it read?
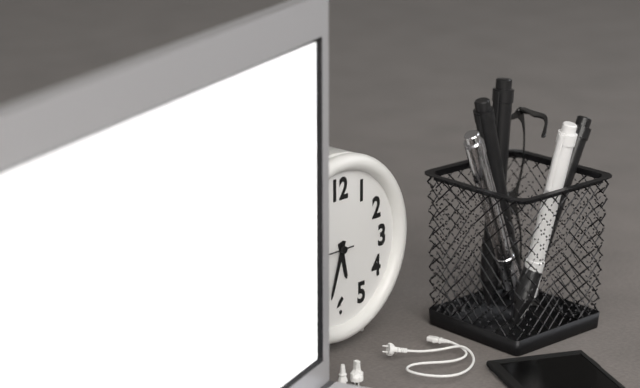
5:33
